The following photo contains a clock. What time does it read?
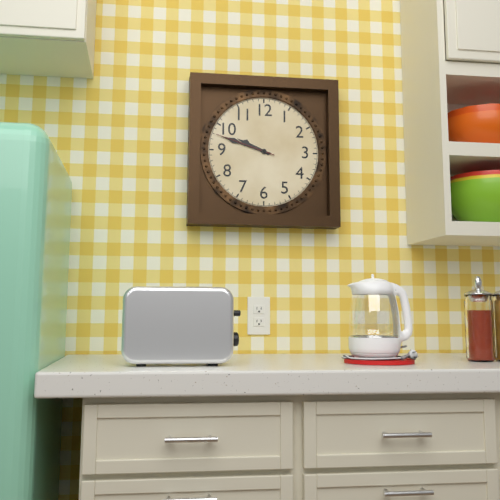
9:48:48
